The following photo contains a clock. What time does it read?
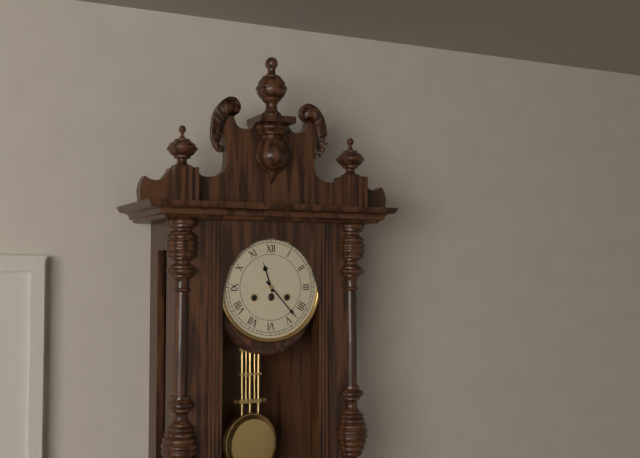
11:23
